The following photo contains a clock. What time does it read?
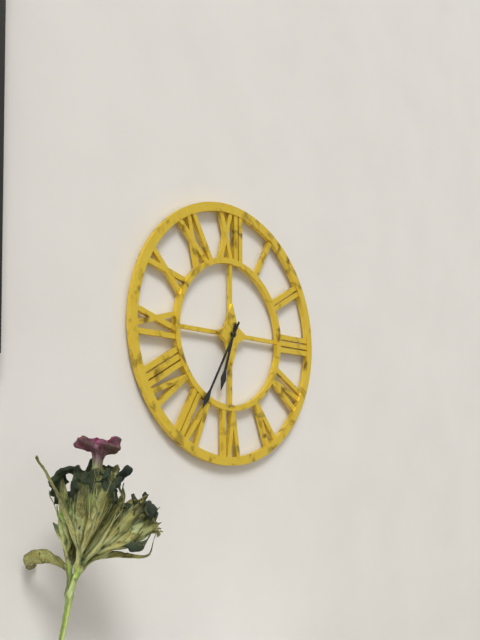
6:35
